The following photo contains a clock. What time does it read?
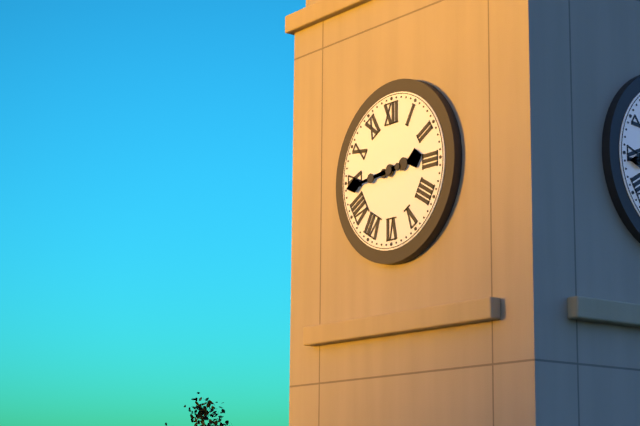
2:44
